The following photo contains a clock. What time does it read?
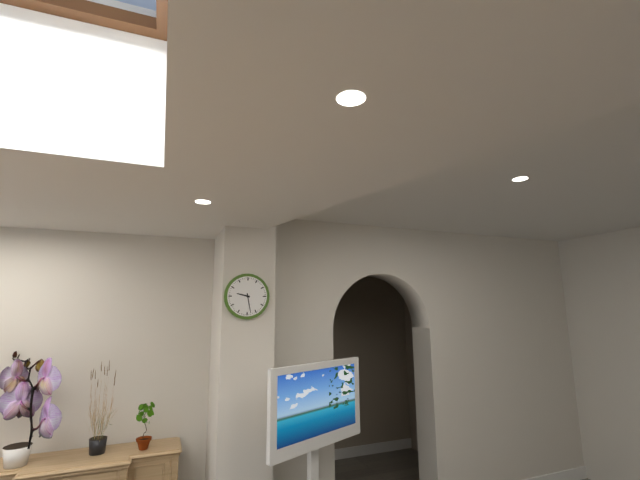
9:28
